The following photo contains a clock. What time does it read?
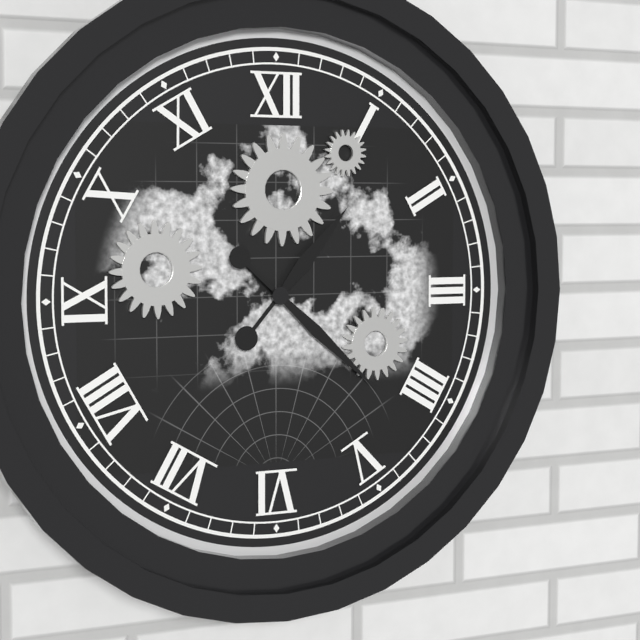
1:22
